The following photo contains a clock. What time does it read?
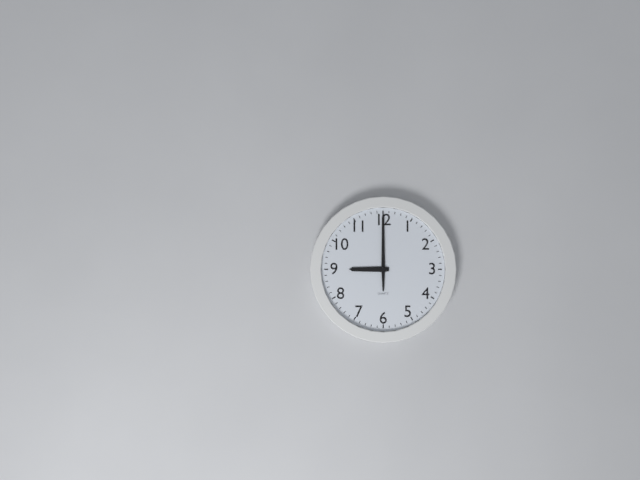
9:00
